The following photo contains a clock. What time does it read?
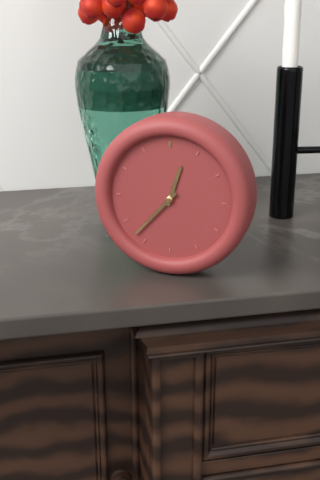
12:37
